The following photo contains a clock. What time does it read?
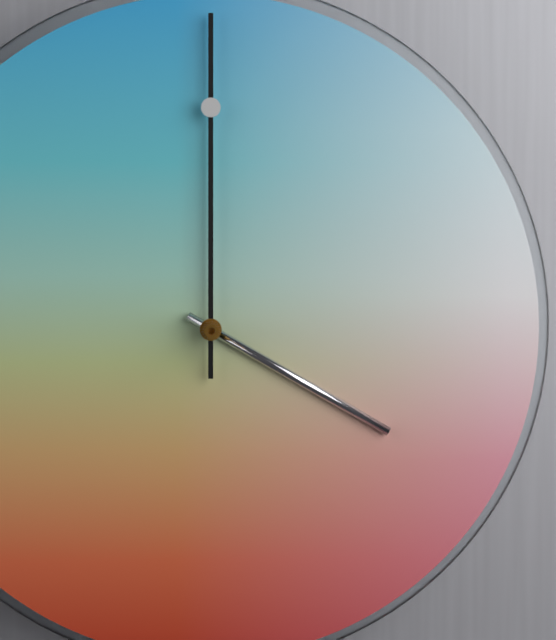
4:00
